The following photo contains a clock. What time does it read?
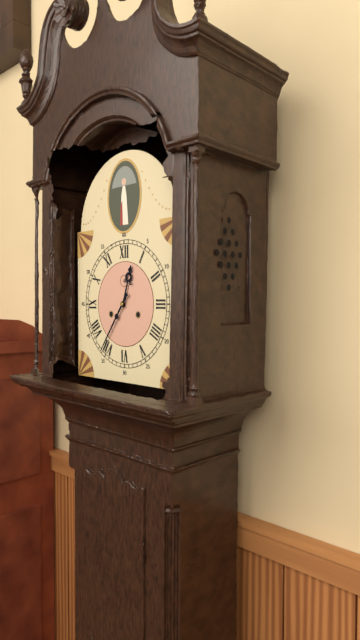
12:36
